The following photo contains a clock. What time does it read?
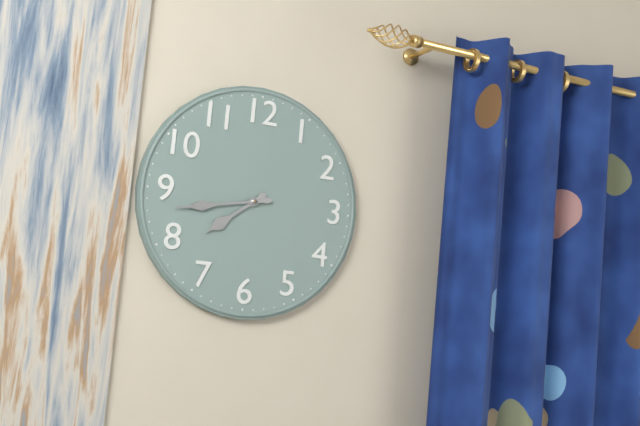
7:43
